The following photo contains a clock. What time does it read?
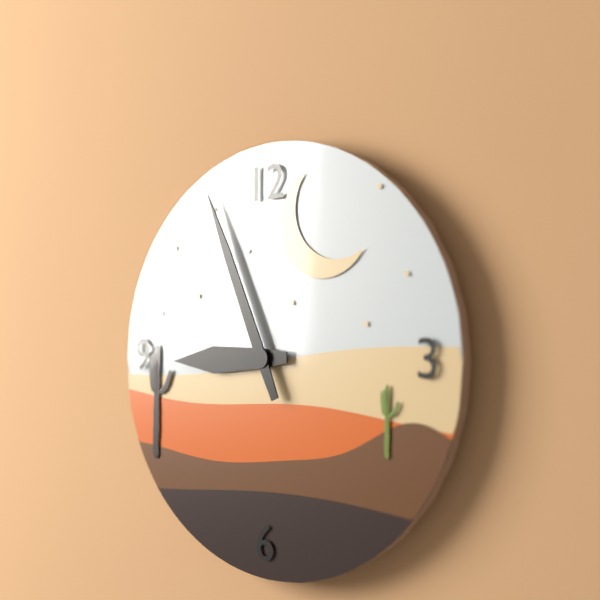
8:56
